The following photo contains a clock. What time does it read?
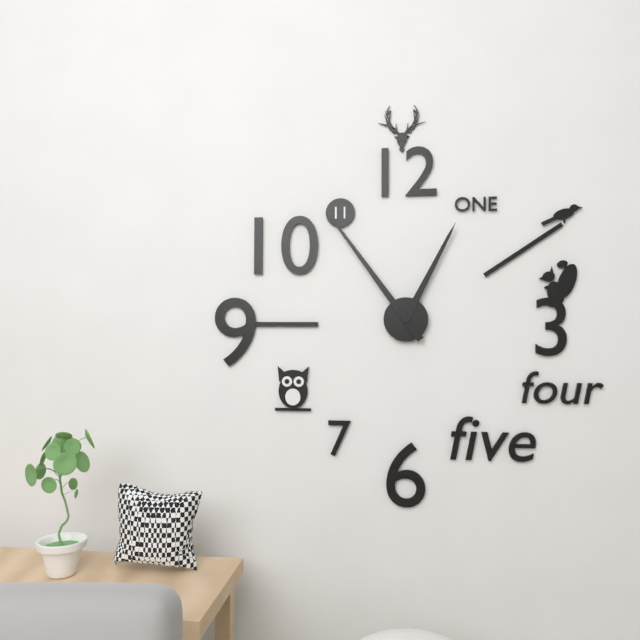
12:54
